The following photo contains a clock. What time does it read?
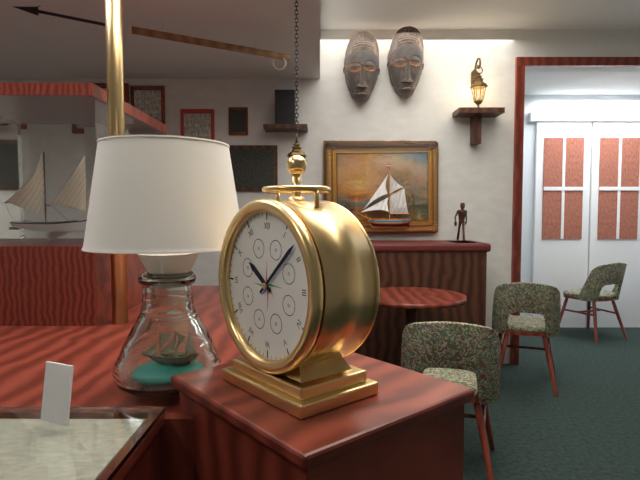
10:08
